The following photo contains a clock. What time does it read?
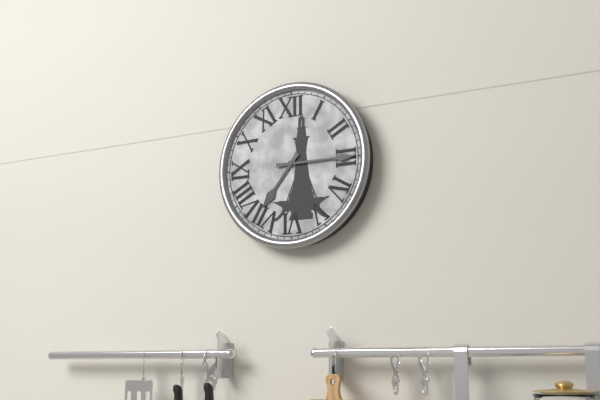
7:15
